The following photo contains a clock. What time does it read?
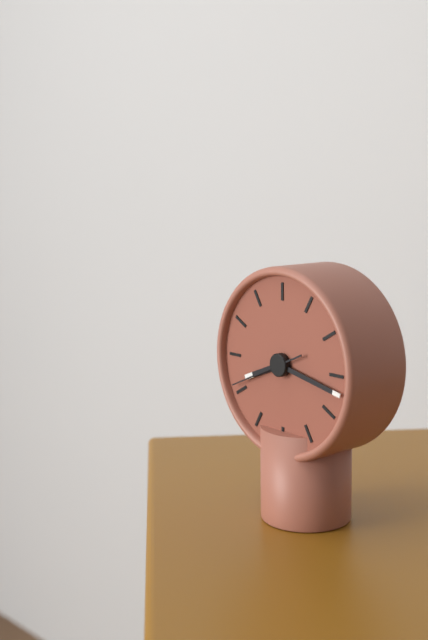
8:17:41
